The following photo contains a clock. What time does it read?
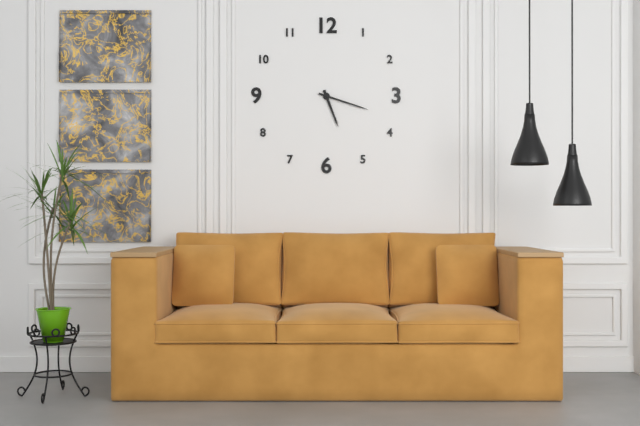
5:18
